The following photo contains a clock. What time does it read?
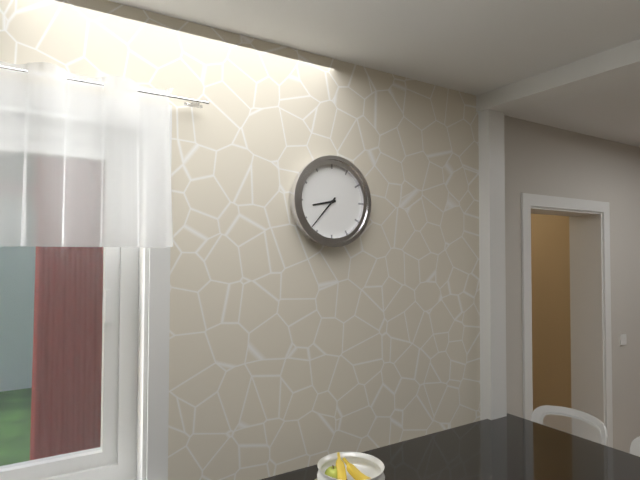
8:37
